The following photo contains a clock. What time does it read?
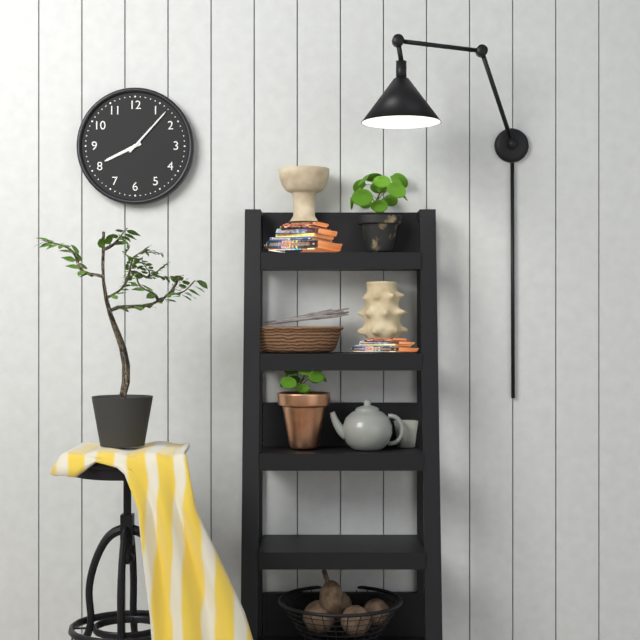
8:07
